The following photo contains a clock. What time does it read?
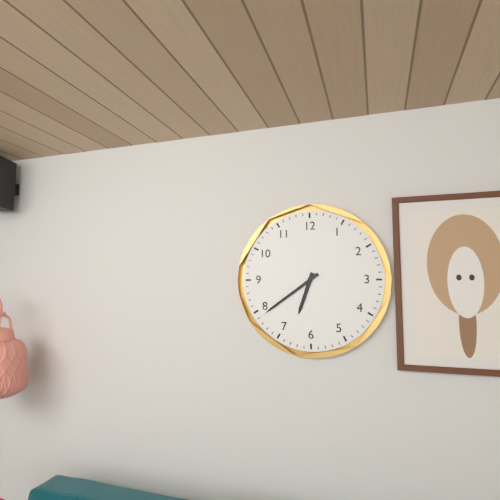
6:39
